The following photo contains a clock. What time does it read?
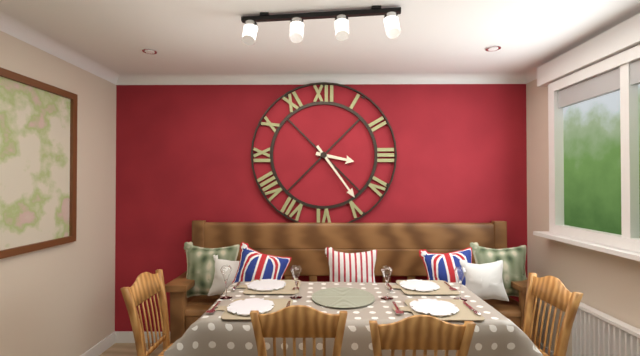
3:24
